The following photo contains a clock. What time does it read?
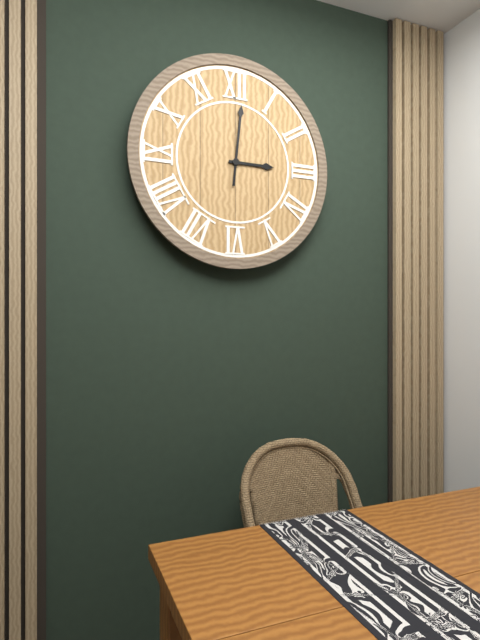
3:01
